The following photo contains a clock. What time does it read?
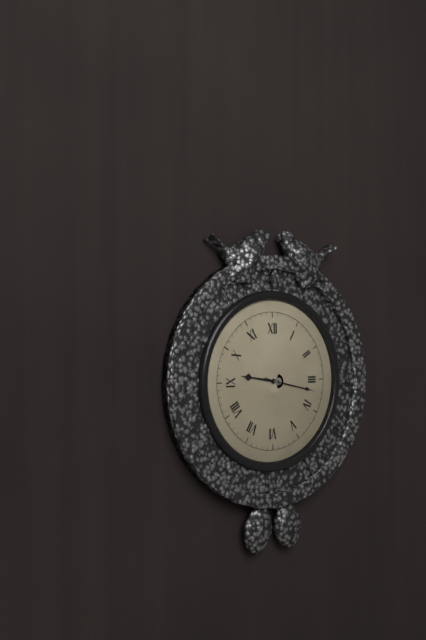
9:17
